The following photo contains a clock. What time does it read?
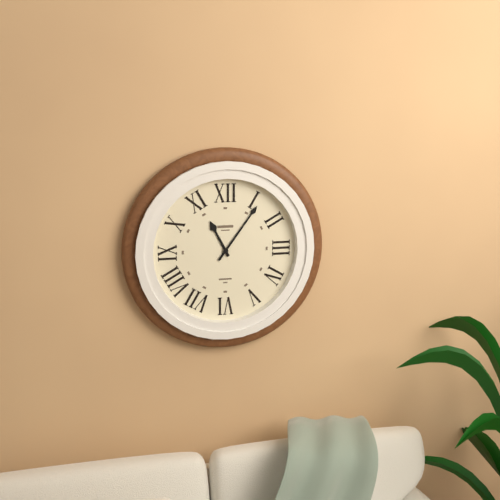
11:06
